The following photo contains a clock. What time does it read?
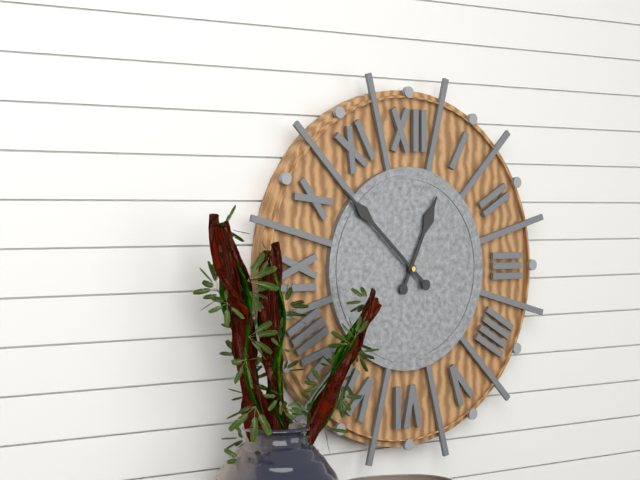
12:52
